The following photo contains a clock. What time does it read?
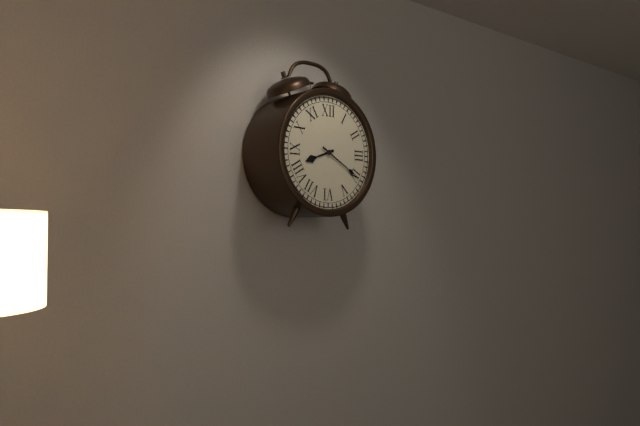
8:20
